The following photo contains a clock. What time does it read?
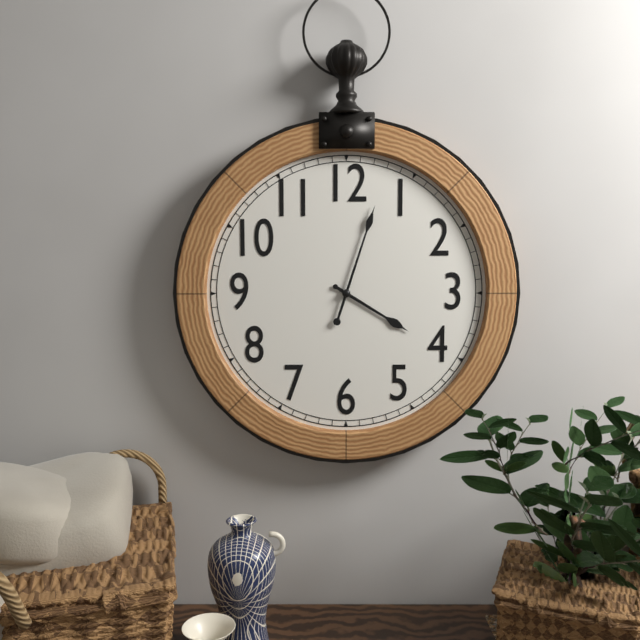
4:03
